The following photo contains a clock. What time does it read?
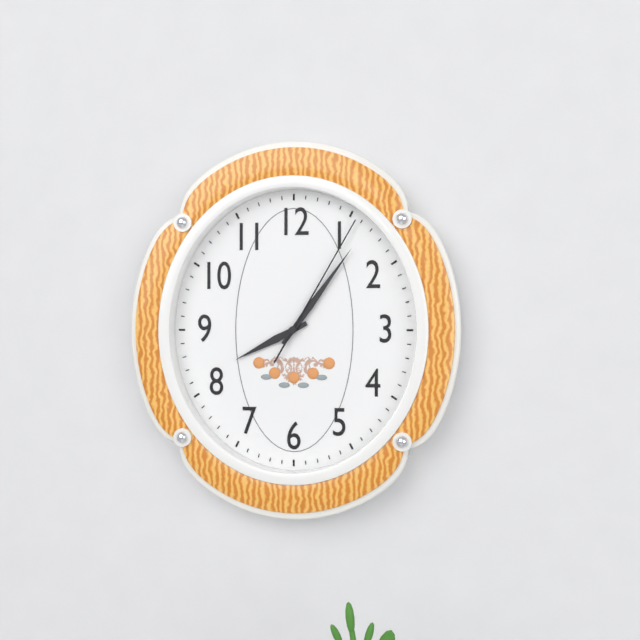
8:06:05
